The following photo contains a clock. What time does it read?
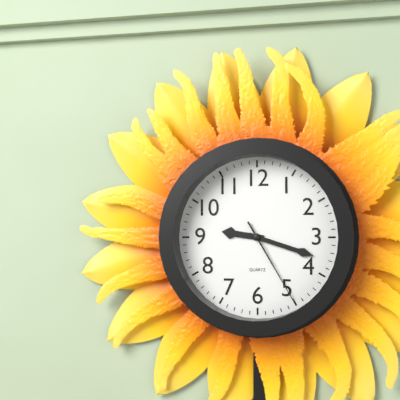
9:18:25
